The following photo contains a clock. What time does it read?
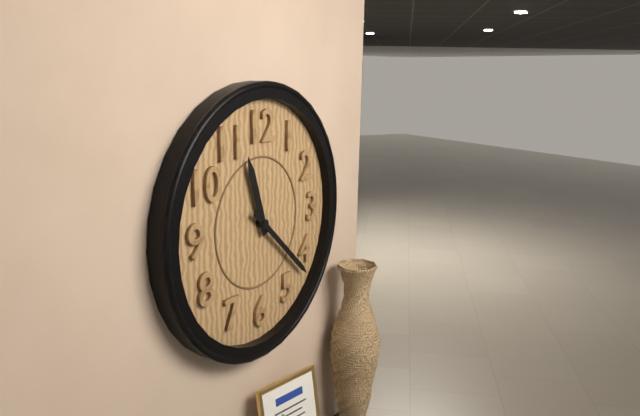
11:22
